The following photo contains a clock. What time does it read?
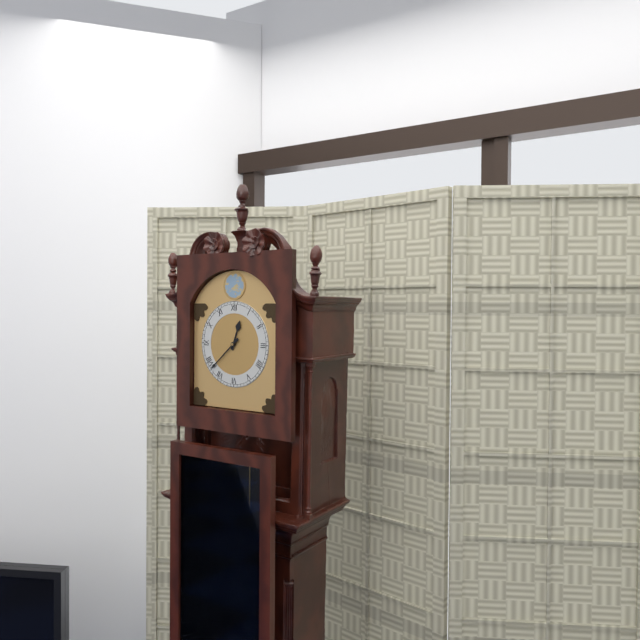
12:38
